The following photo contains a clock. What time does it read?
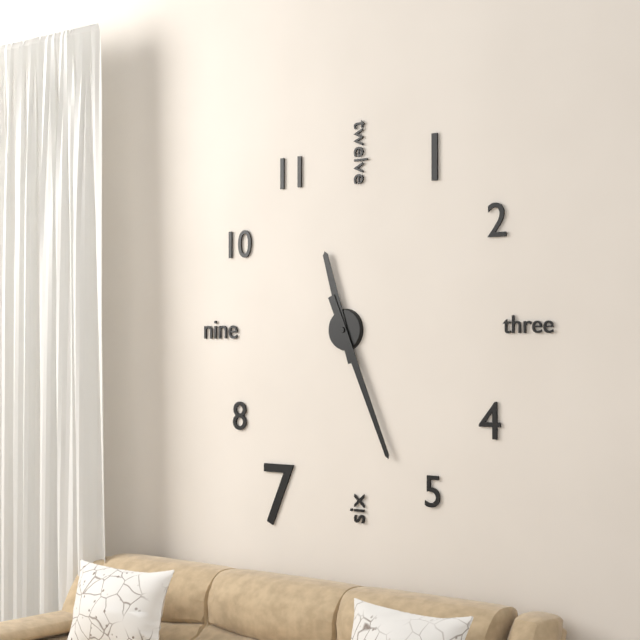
11:26
